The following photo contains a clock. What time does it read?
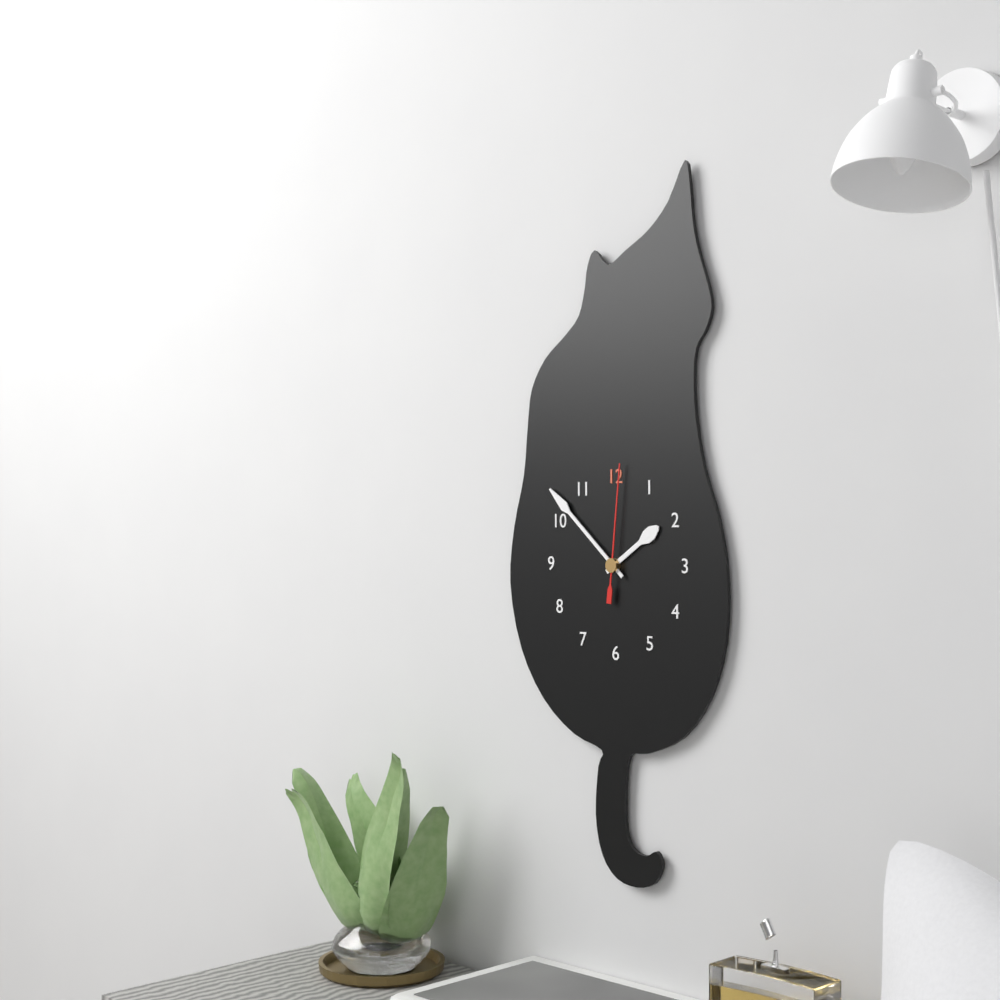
1:52:01
